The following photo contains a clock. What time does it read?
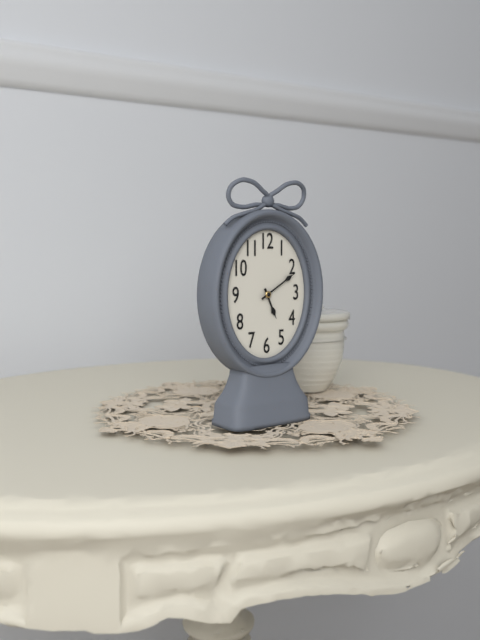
5:10
